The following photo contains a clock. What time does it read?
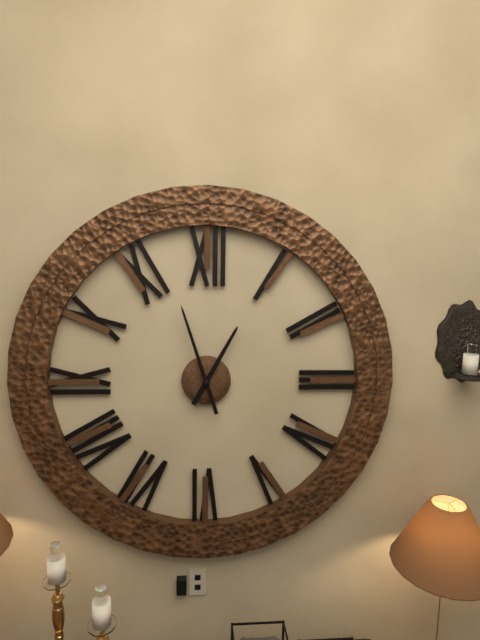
12:57
